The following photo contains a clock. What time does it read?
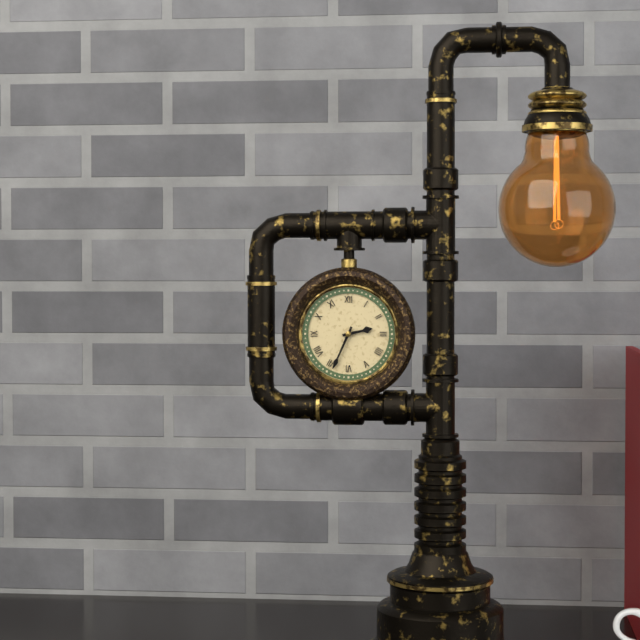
2:34
